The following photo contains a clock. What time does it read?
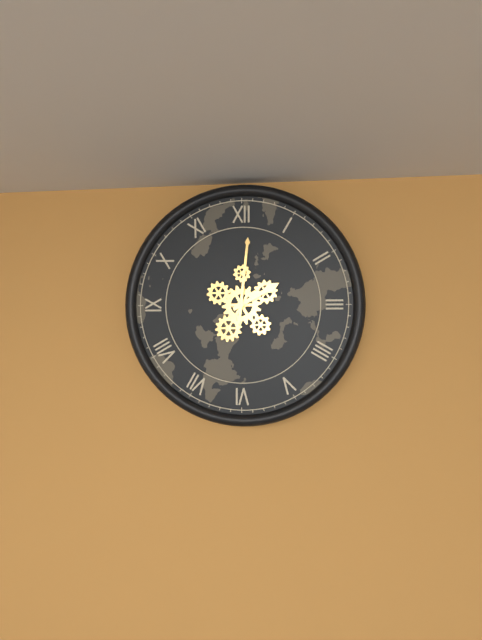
2:01
